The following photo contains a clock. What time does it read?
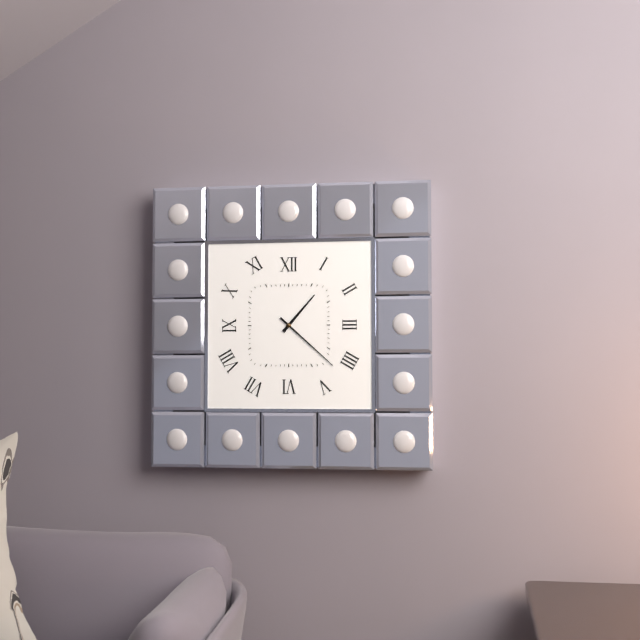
1:22
